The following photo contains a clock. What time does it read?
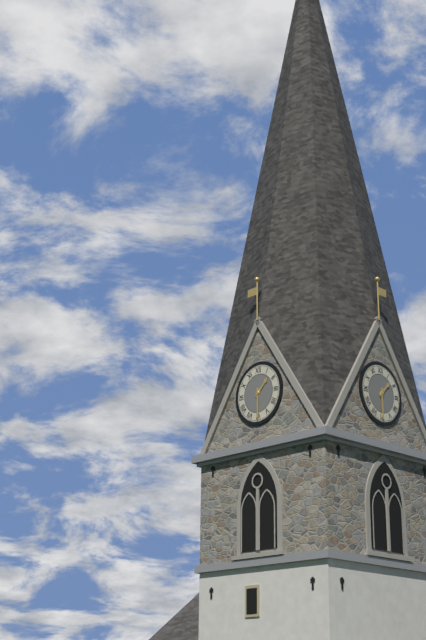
1:30
